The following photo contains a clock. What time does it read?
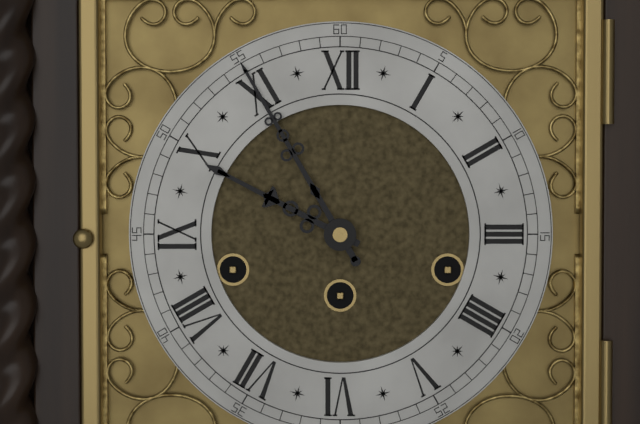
9:55
